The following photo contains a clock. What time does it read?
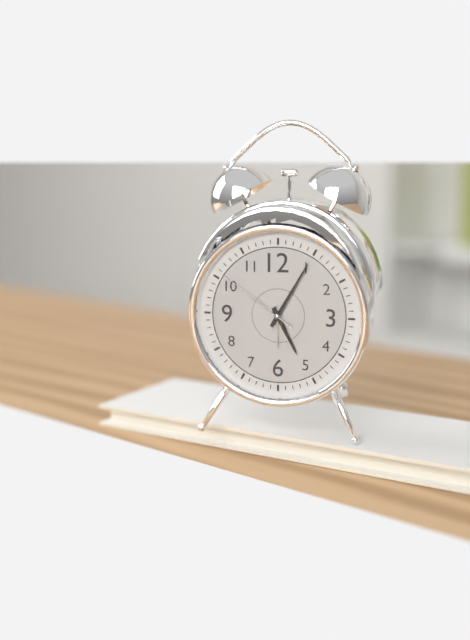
5:05:51
